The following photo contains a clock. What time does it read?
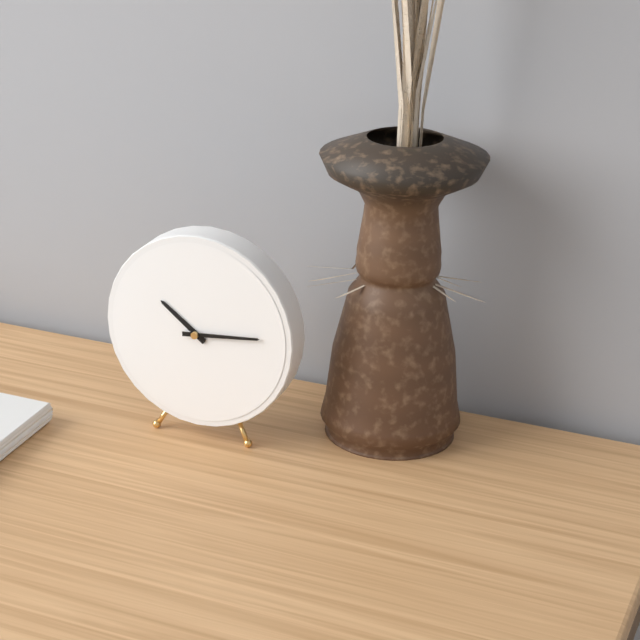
10:14
